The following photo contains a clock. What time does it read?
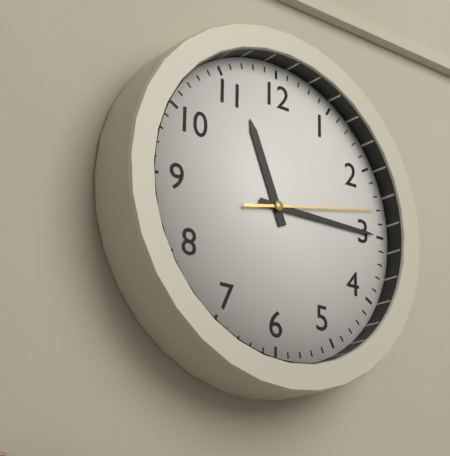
11:15:13
